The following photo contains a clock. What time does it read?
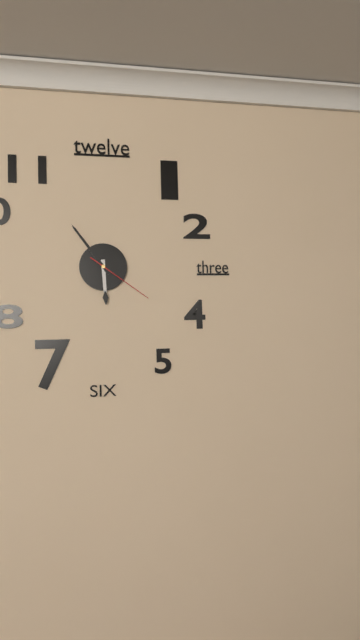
5:54:21
